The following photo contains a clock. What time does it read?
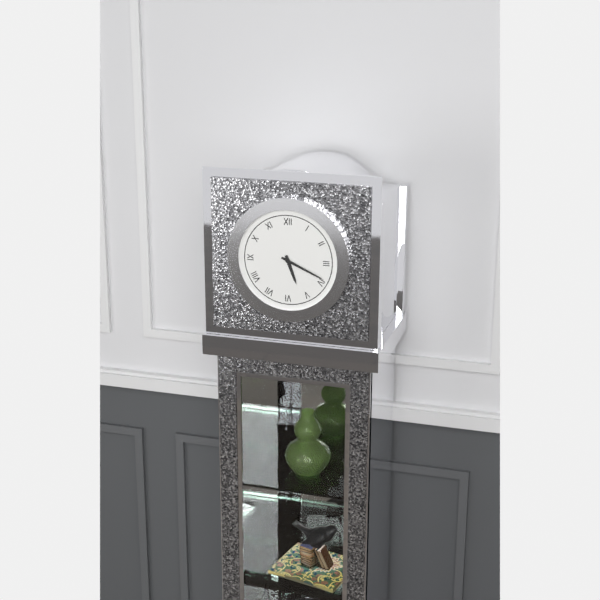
5:19
